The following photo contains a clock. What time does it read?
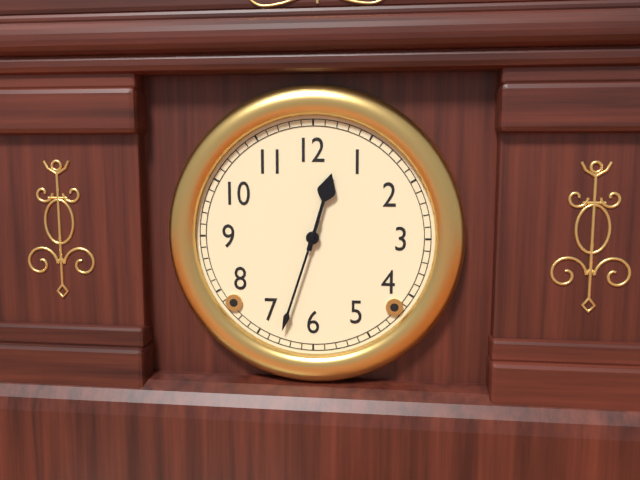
12:33
